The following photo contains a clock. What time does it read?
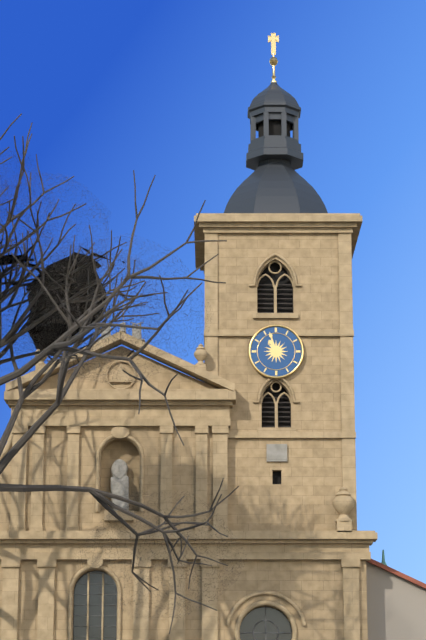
10:57
